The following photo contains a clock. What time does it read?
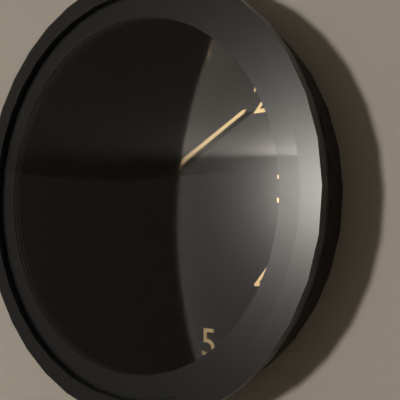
11:10
